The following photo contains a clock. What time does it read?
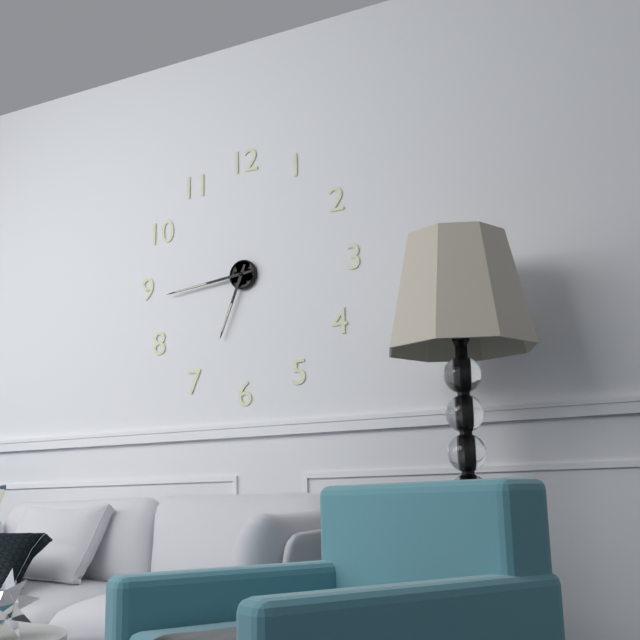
6:44
